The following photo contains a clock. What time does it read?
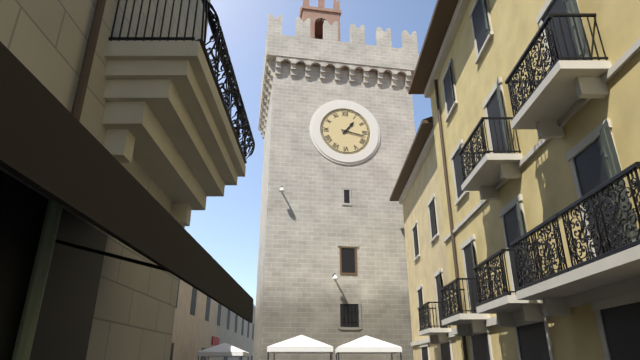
1:17
